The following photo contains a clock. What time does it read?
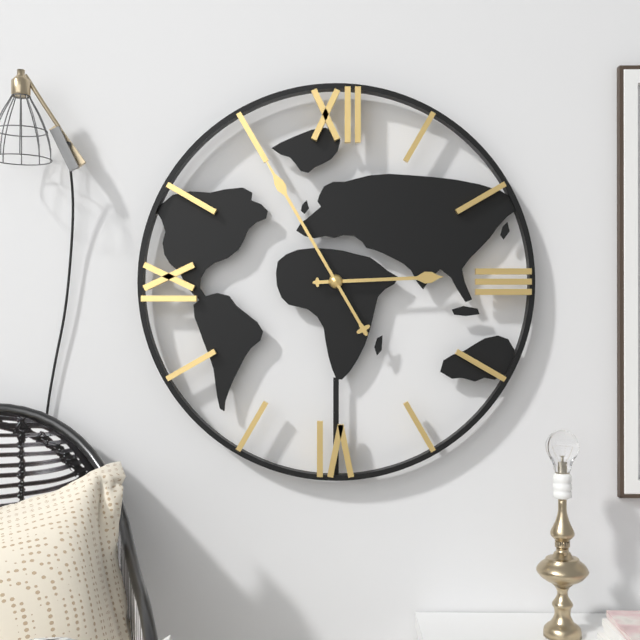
2:55
